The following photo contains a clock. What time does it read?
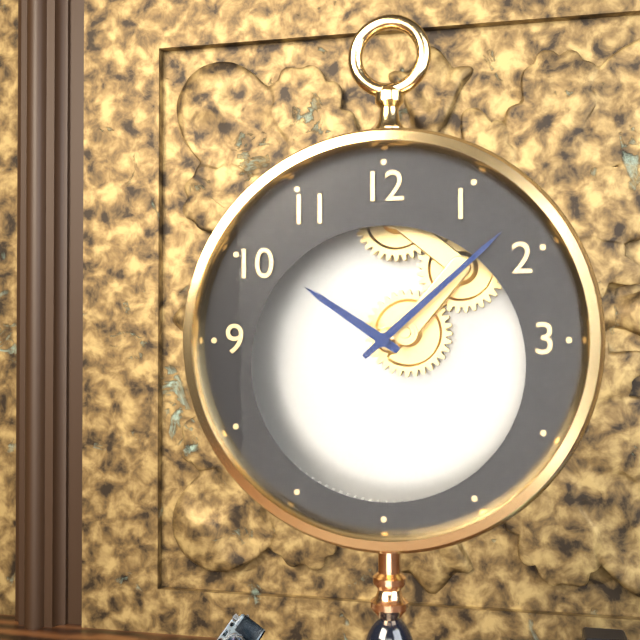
10:08
